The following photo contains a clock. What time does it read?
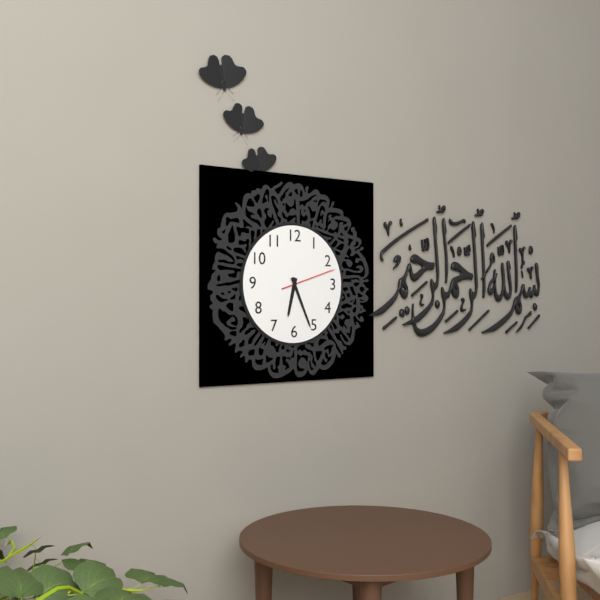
6:26:12
